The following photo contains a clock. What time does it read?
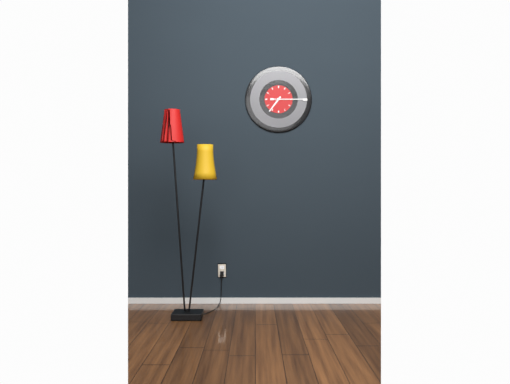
7:15
